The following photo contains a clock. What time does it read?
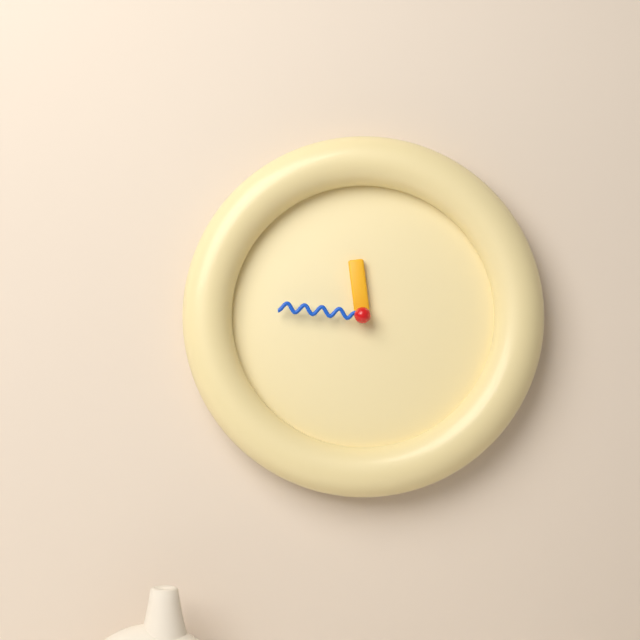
11:46
